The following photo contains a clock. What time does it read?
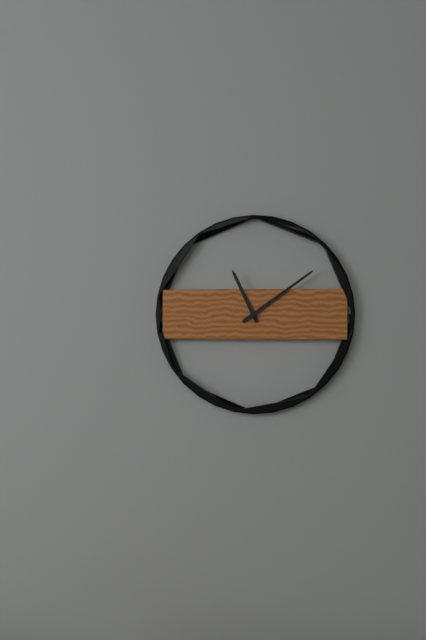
11:09
